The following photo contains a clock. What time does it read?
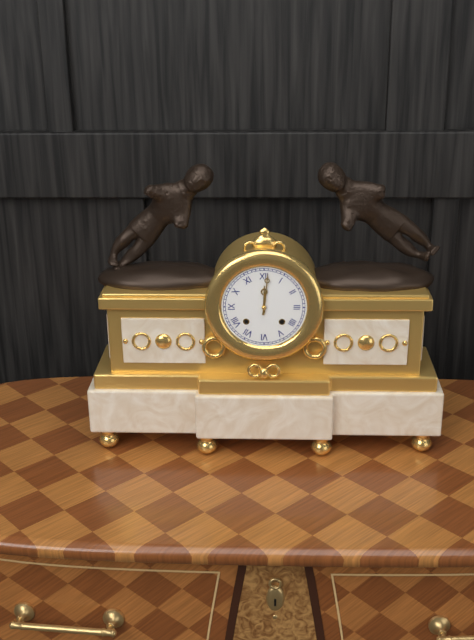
12:01
